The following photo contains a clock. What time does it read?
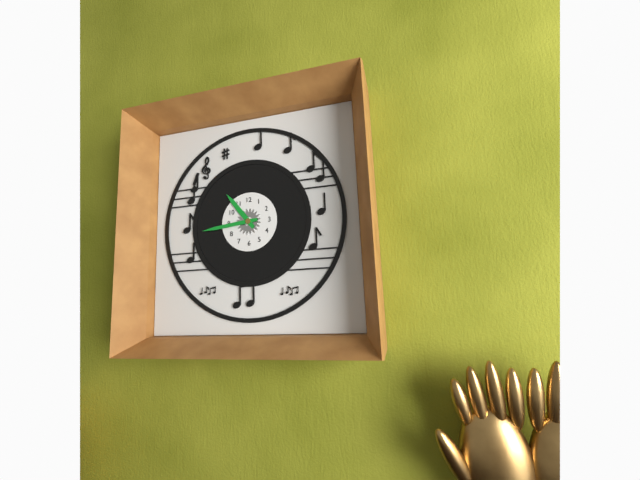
10:44
